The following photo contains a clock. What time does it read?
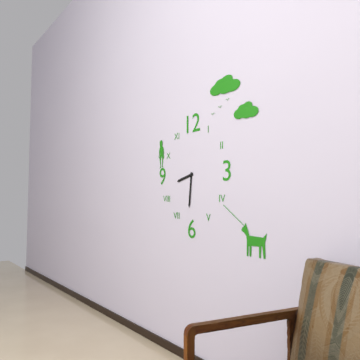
8:31
